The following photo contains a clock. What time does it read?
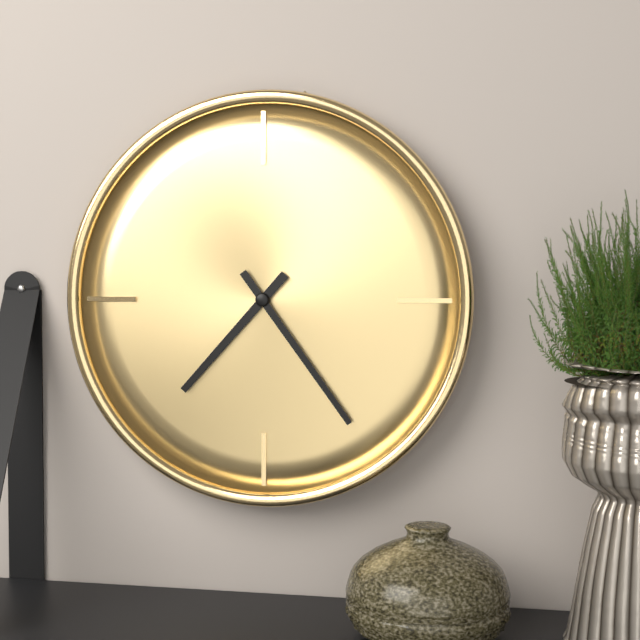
7:24
